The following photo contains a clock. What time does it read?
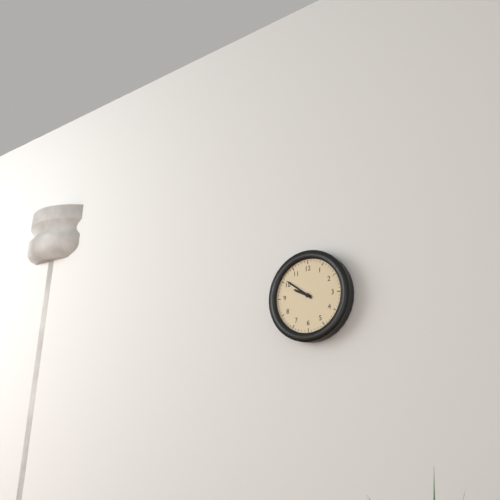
9:51
